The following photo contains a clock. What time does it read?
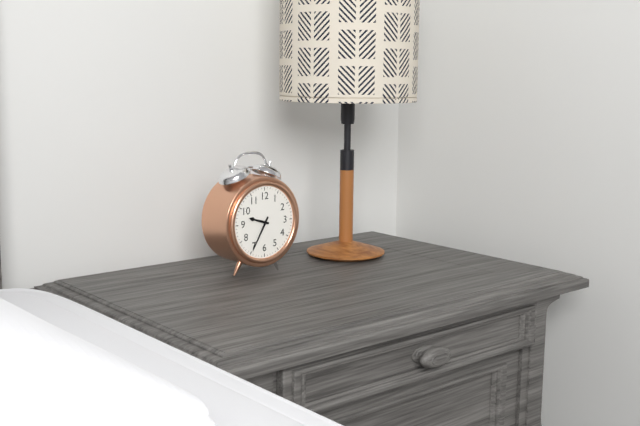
9:35
